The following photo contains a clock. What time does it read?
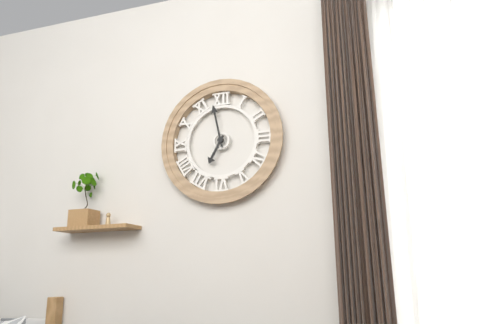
6:58
